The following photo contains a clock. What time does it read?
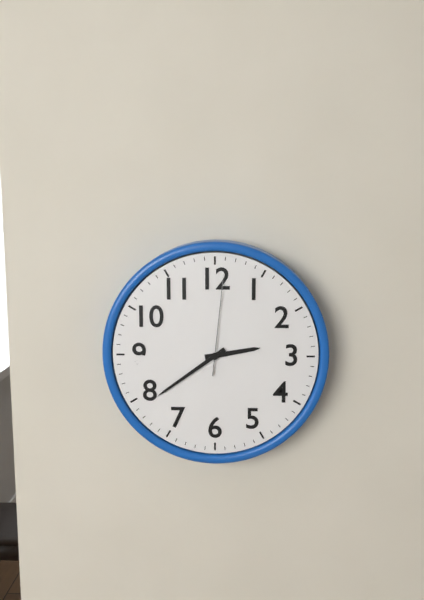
2:39:01
